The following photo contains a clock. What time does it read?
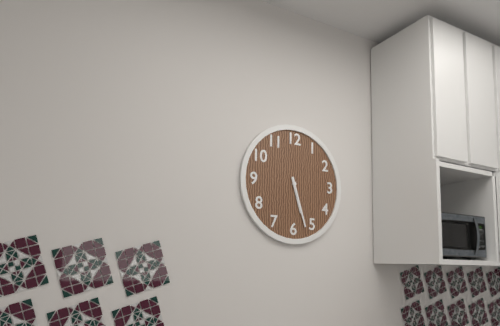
5:27
